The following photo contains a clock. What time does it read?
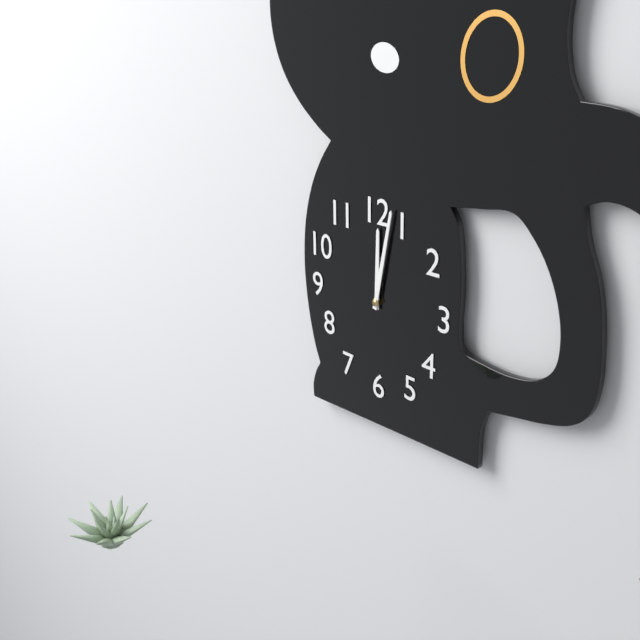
12:02
